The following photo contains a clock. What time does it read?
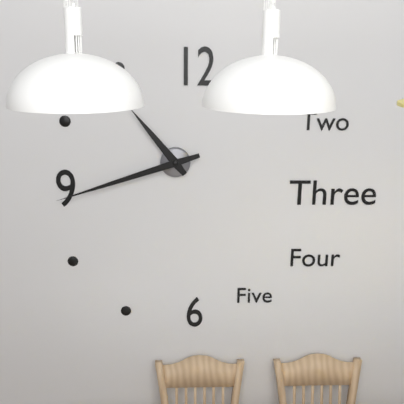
10:42
